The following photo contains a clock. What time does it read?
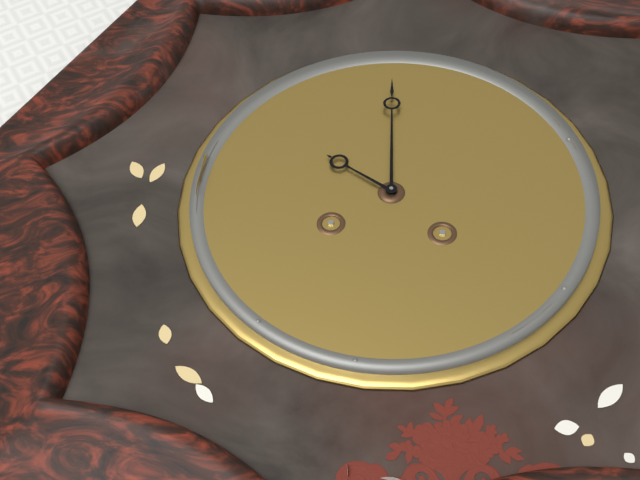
9:59
